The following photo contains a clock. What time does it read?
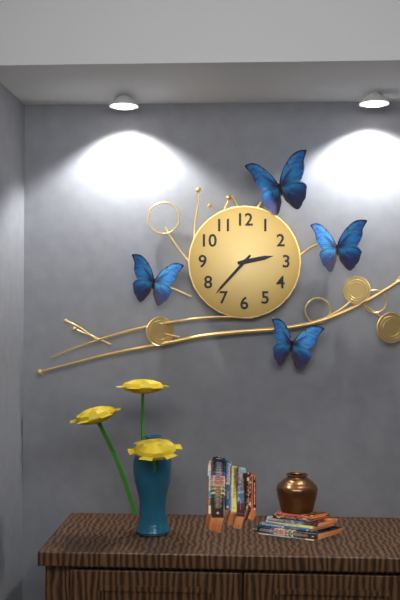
2:37
